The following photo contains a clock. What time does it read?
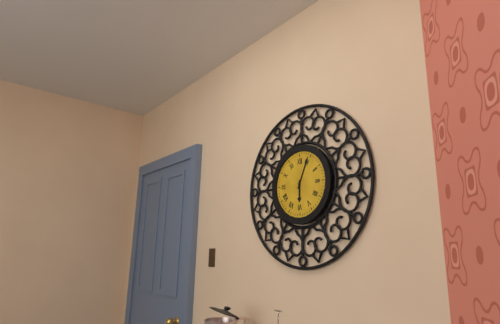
6:04
